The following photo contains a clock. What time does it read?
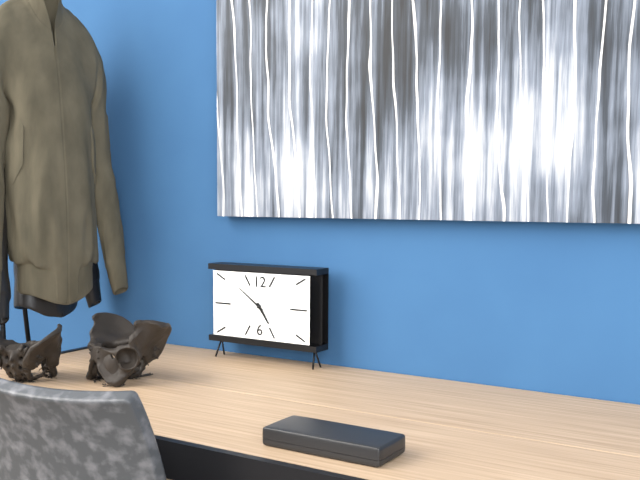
4:51
